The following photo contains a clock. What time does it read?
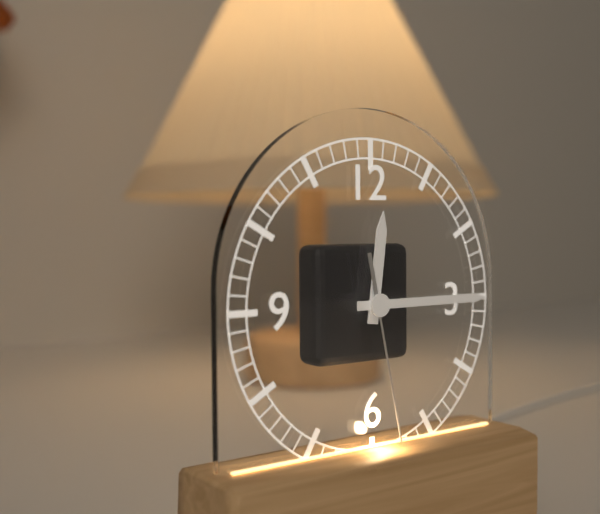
12:15:28
